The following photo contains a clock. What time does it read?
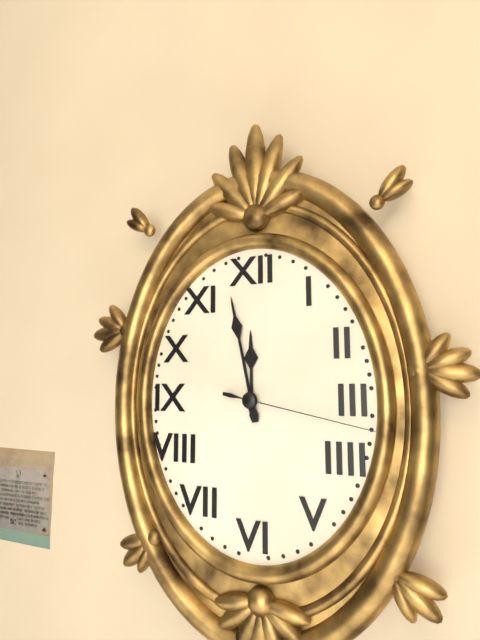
11:58:17
